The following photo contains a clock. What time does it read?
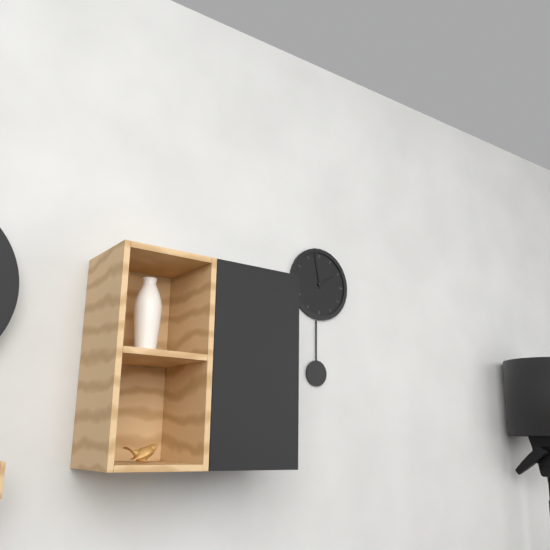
1:58
